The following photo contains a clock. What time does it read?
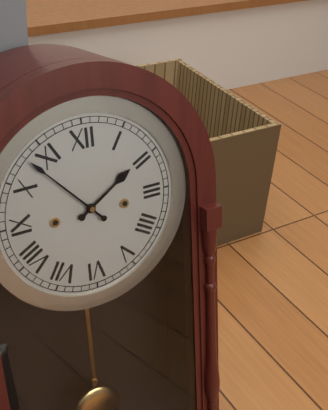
1:53
